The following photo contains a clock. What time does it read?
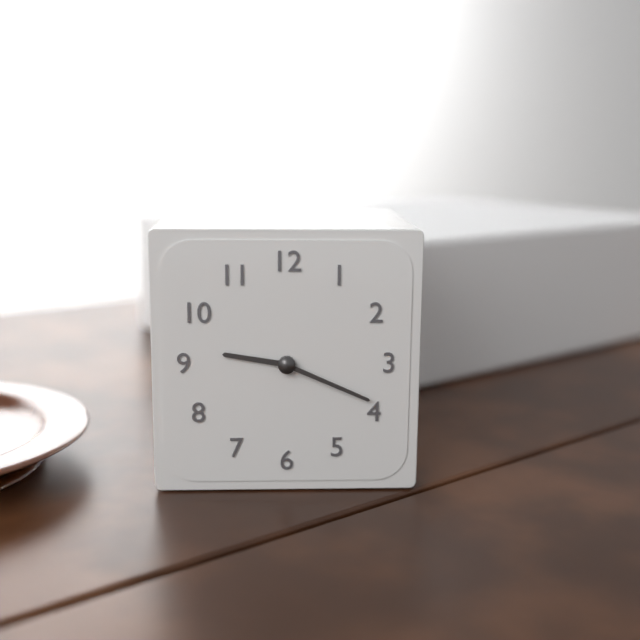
9:19
